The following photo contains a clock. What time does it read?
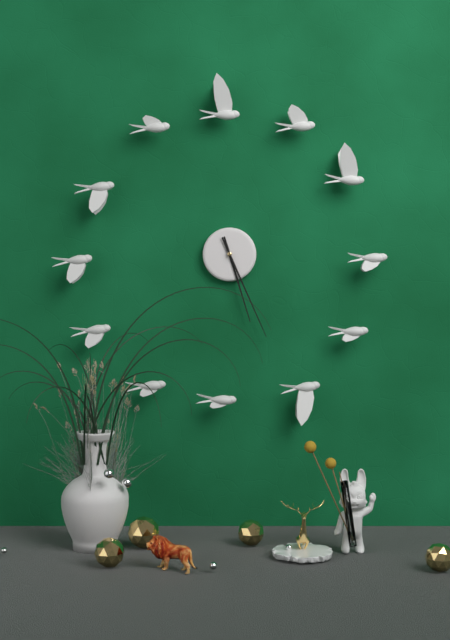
5:26
